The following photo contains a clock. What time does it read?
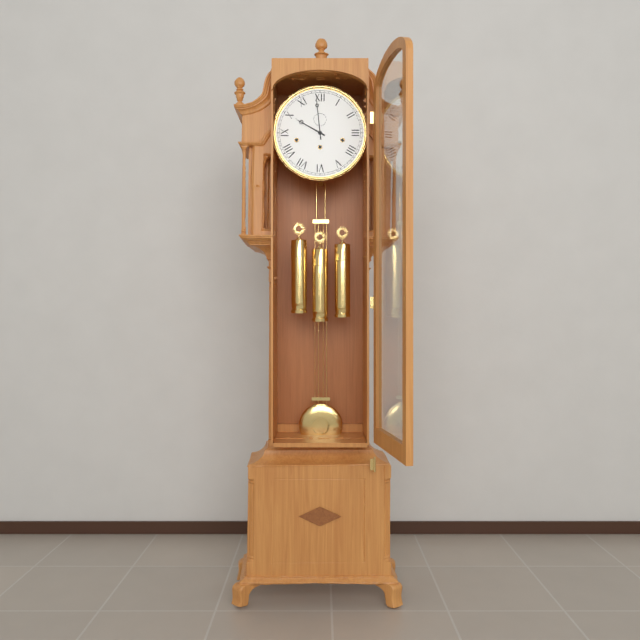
9:59
